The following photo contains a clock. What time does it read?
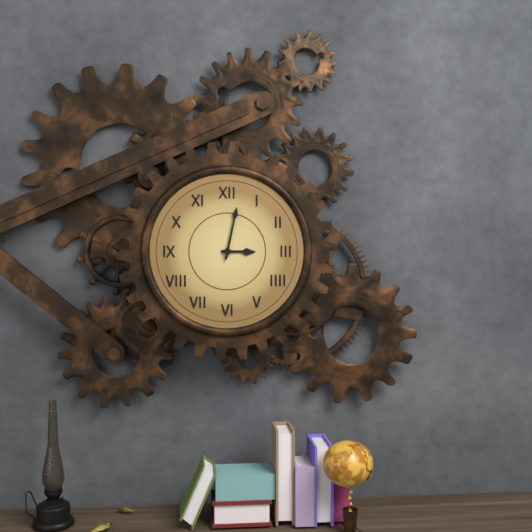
3:02
